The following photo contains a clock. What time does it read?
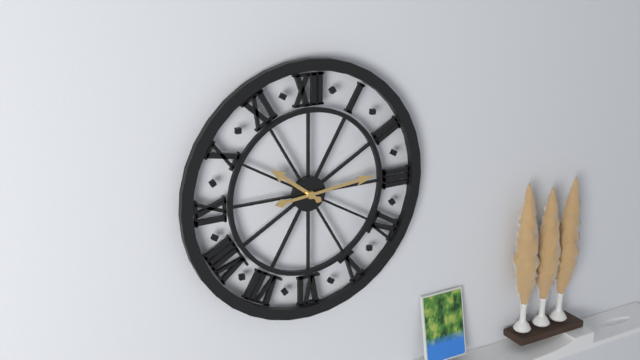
10:14
